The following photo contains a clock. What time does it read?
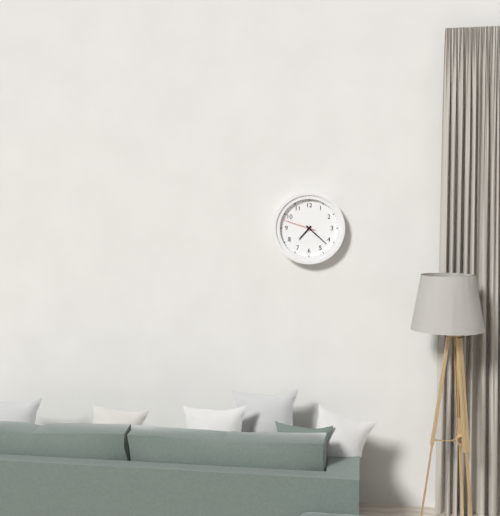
7:22
